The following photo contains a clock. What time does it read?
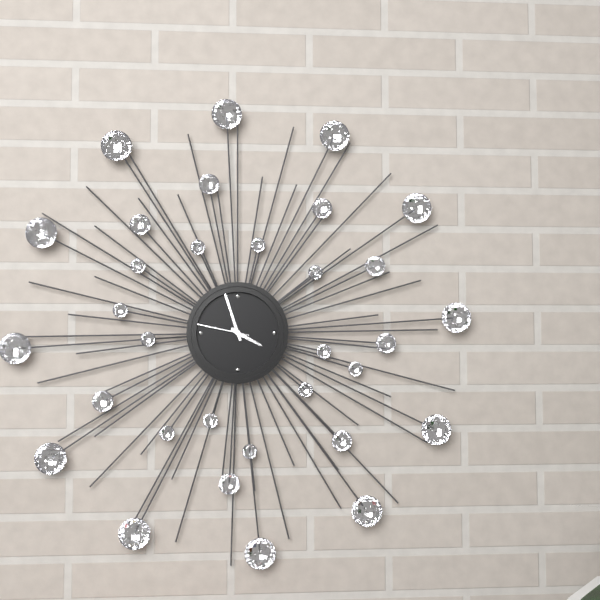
3:57:47
